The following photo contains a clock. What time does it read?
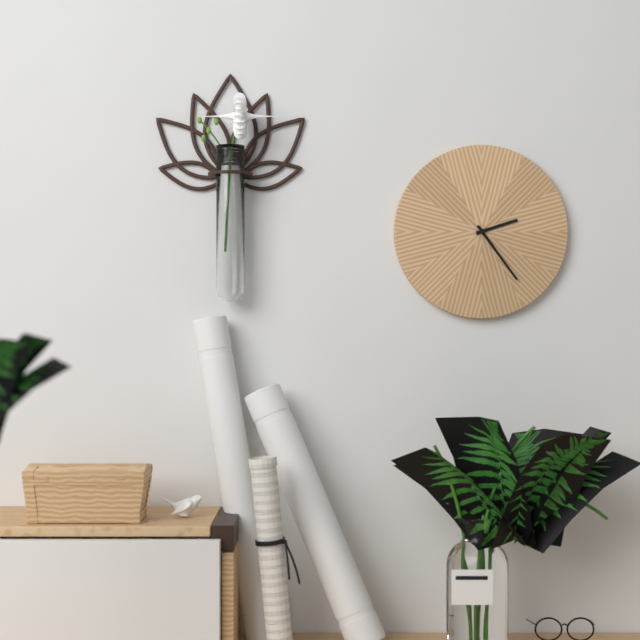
2:24
